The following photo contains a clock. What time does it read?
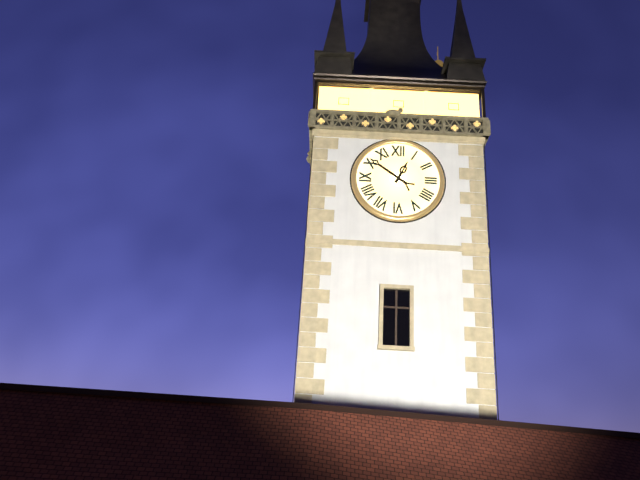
12:51
